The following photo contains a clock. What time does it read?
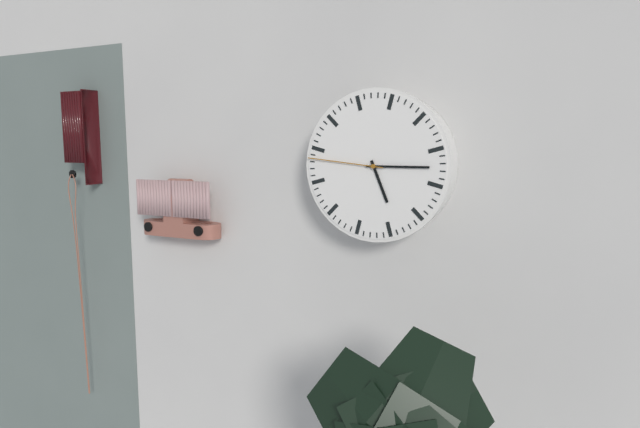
5:15:46
